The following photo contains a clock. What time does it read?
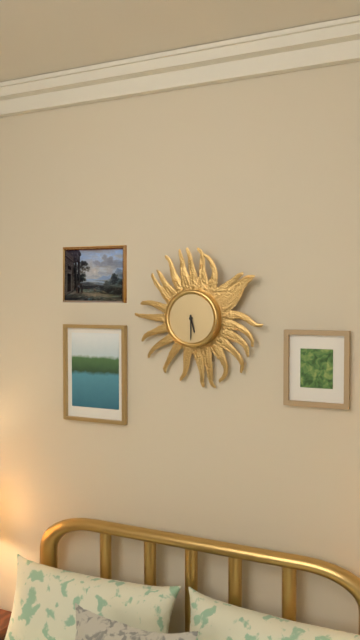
5:30
